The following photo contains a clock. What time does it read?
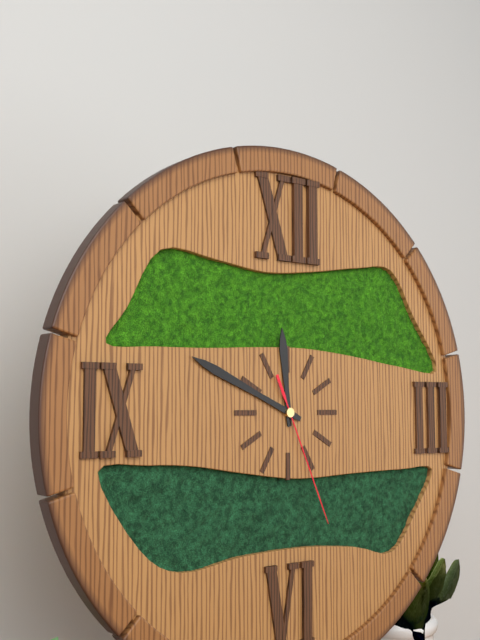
11:49:26
